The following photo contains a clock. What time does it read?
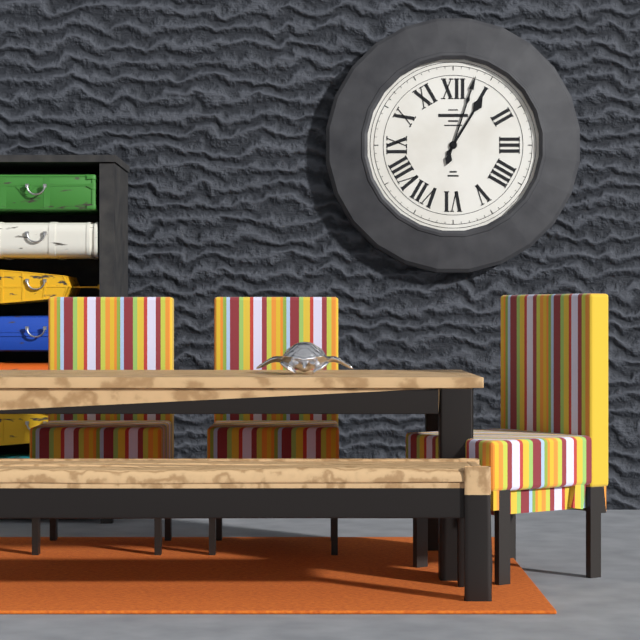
1:03
